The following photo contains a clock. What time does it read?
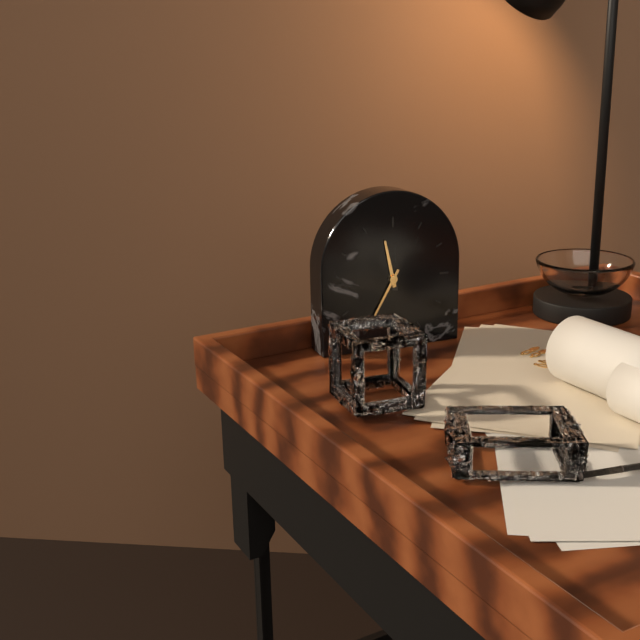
11:35
